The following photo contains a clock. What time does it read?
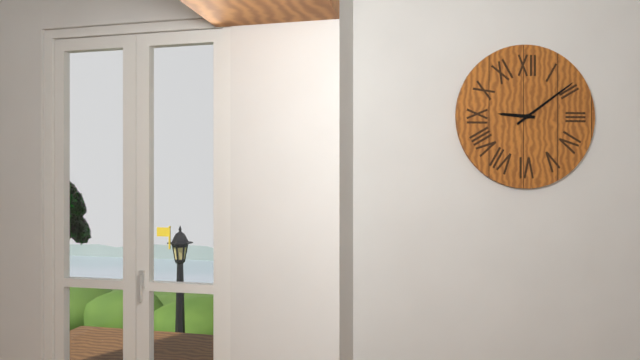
9:09
